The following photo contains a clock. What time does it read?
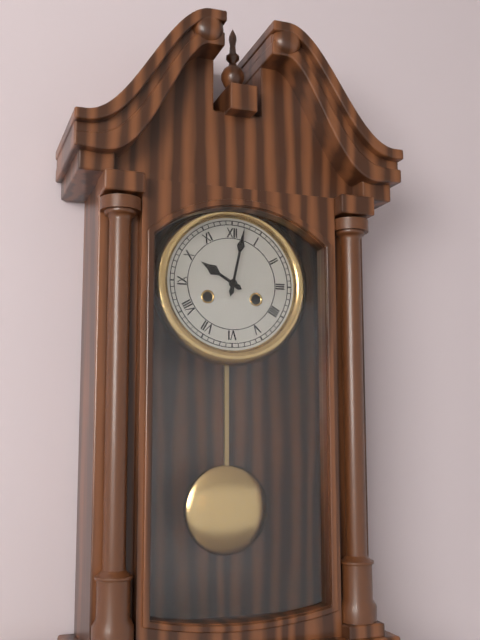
10:02
